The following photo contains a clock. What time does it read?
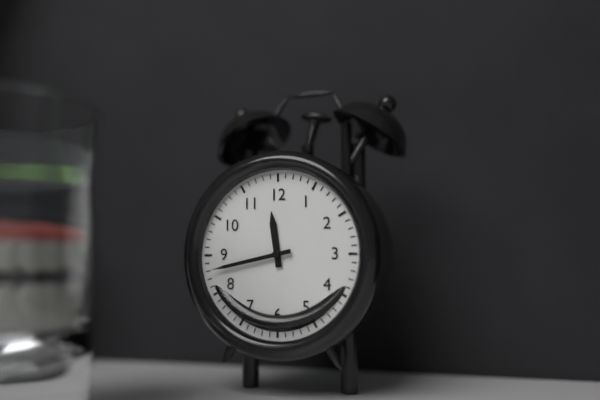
11:43
